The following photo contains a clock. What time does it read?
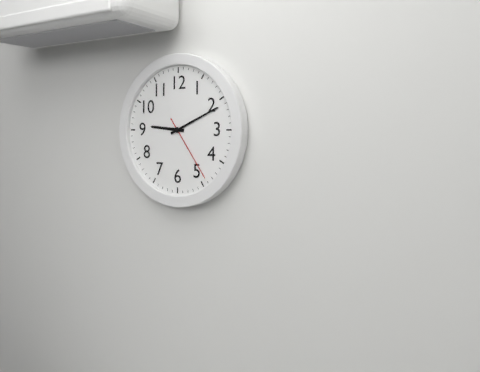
9:11:24
